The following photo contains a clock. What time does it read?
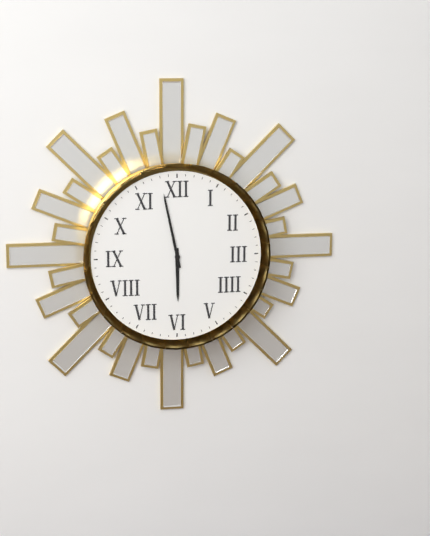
5:58
